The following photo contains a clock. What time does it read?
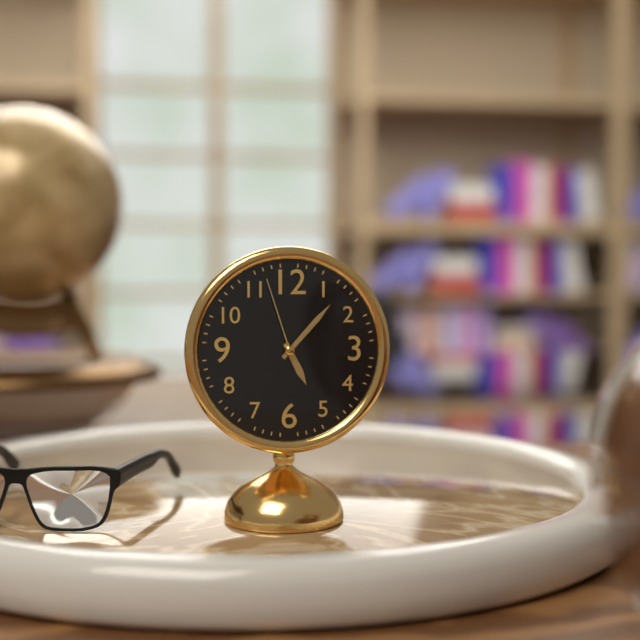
5:07:57
